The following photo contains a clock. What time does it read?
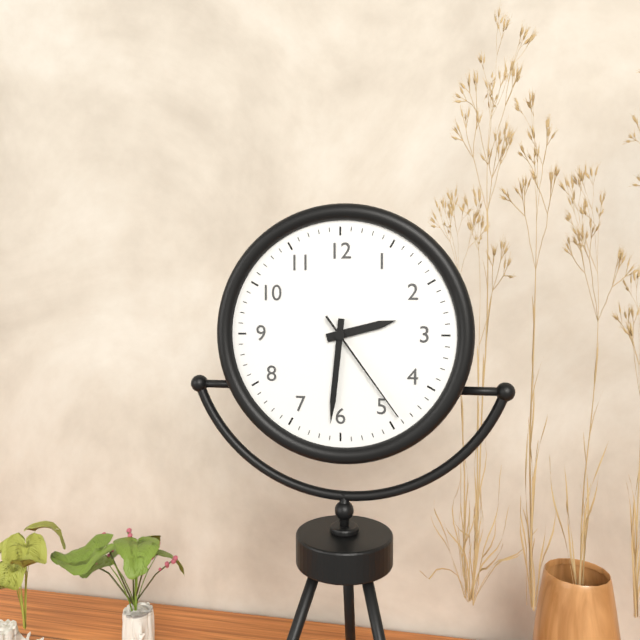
2:31:24
